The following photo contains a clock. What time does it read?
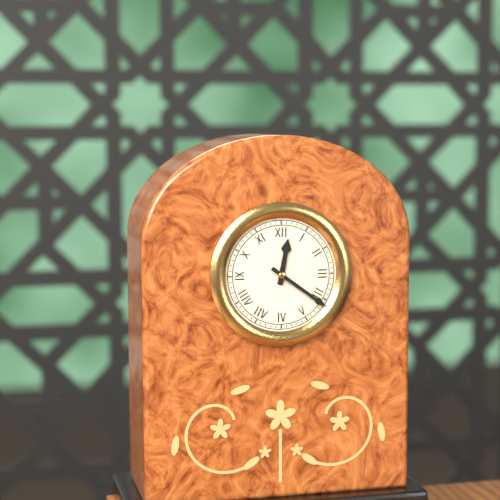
12:21
